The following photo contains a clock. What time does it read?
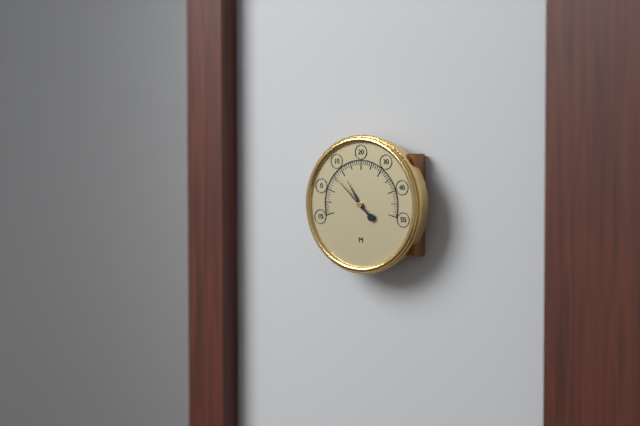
10:52
